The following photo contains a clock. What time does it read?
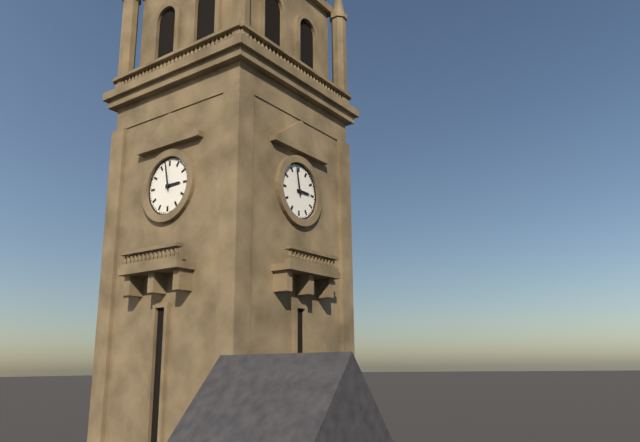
2:58
